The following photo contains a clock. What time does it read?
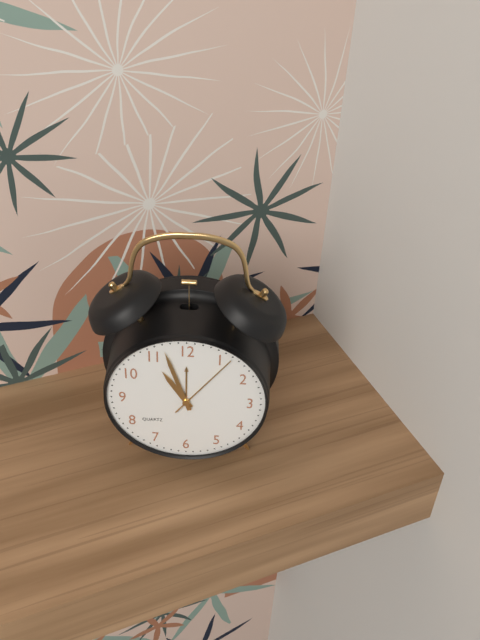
10:57:06
